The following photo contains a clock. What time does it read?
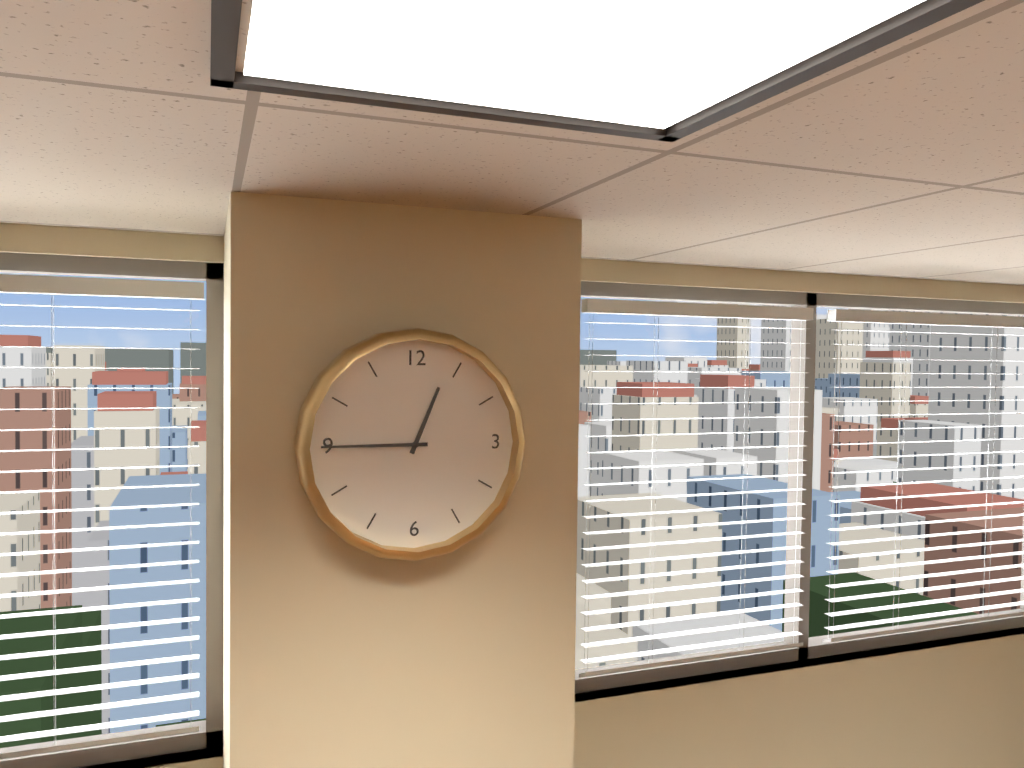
12:45
